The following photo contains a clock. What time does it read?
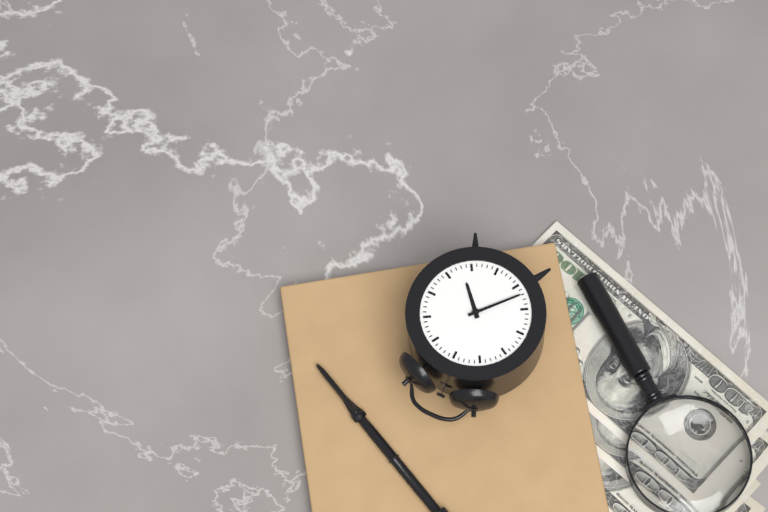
4:37
